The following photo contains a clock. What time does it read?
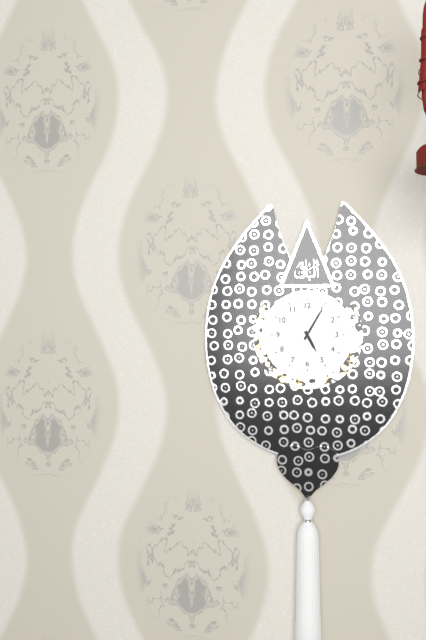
5:05
